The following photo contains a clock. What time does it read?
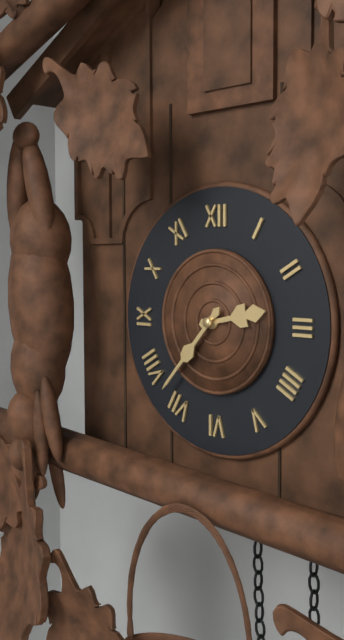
2:37
